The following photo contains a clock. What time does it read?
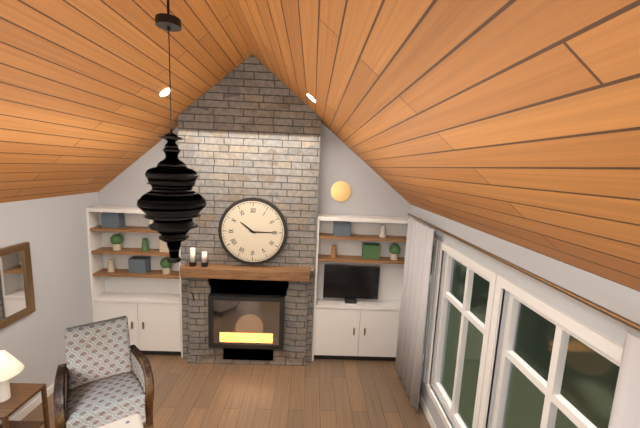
10:15
